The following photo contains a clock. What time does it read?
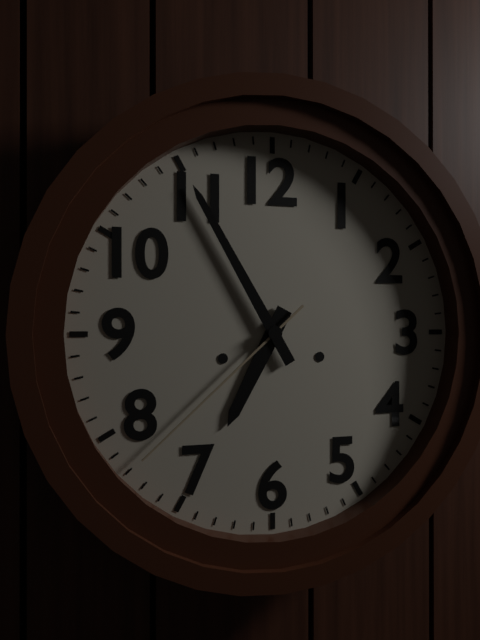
6:55:38
